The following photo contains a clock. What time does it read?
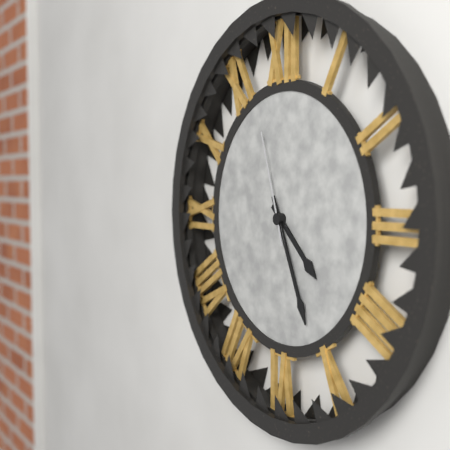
4:26:57
